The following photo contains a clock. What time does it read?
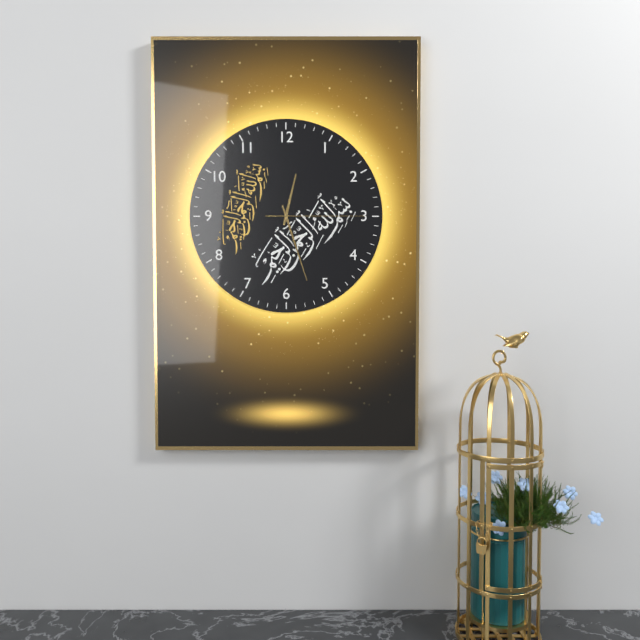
12:27:15
